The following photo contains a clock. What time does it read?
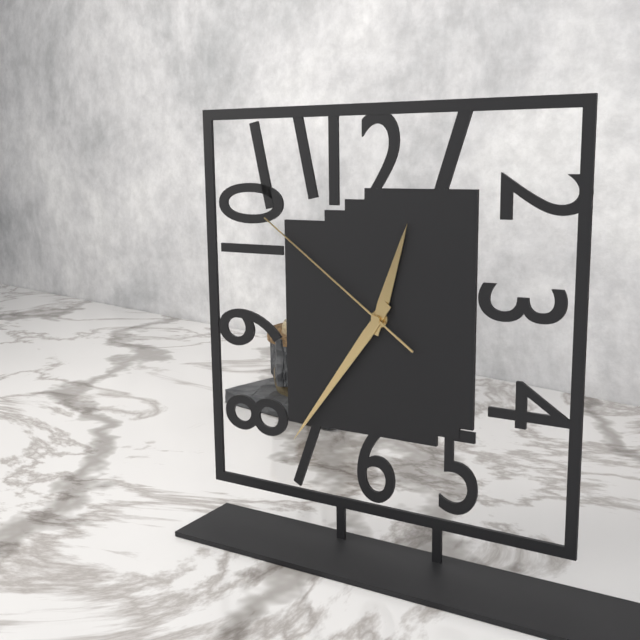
12:36:51
